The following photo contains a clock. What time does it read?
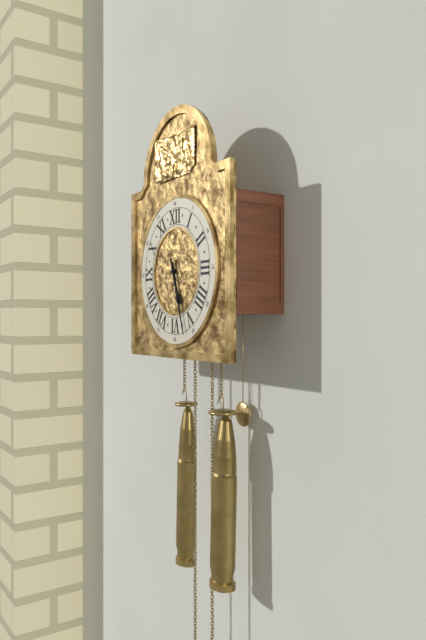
5:27
